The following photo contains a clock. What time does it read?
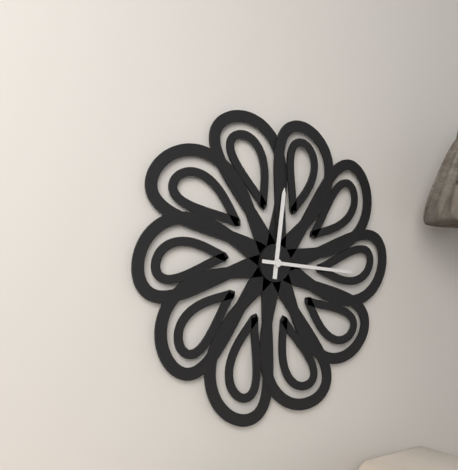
12:16
